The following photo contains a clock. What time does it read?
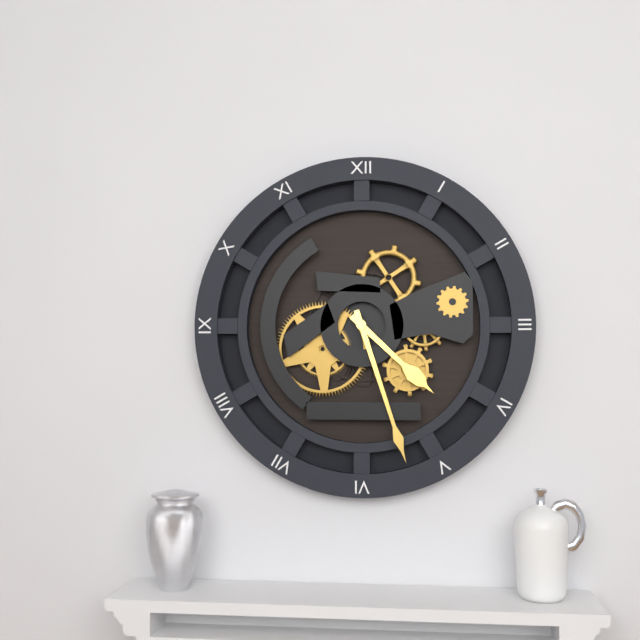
4:27
